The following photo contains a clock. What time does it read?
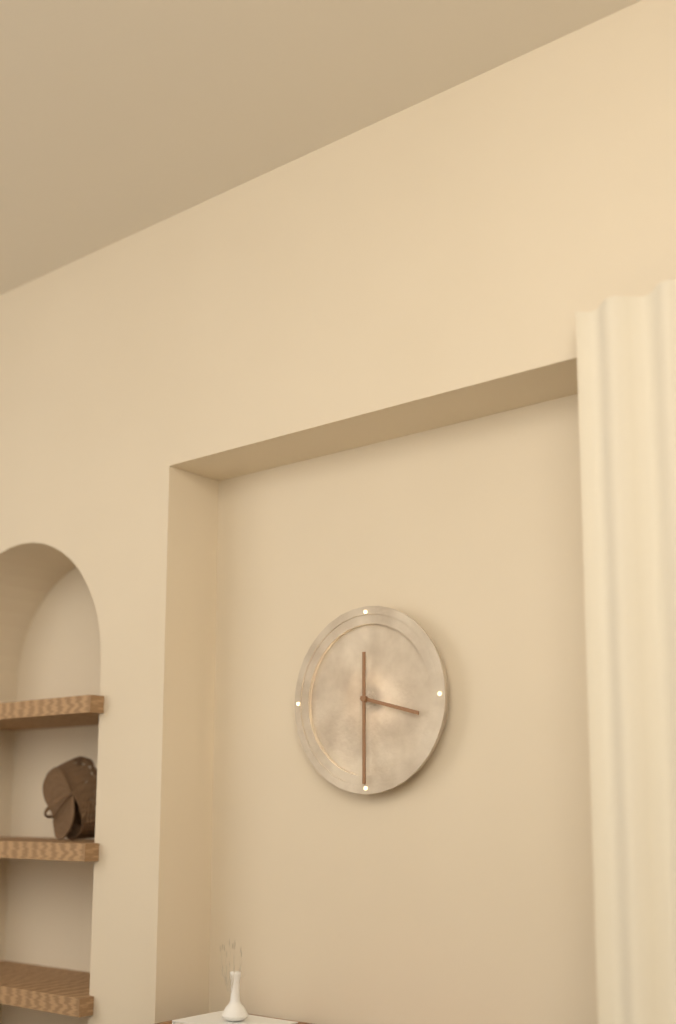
3:30
